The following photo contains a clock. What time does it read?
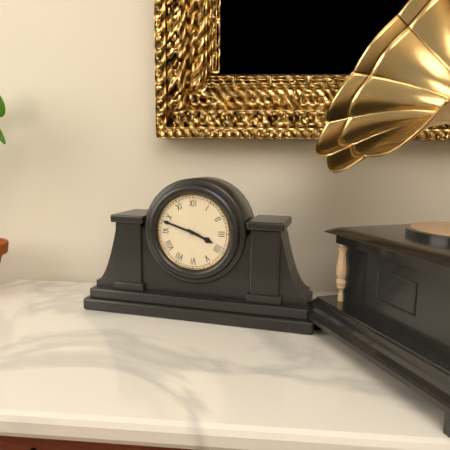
3:48
